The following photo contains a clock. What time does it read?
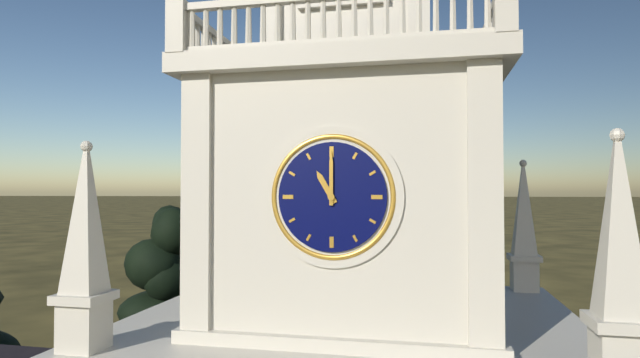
11:00
